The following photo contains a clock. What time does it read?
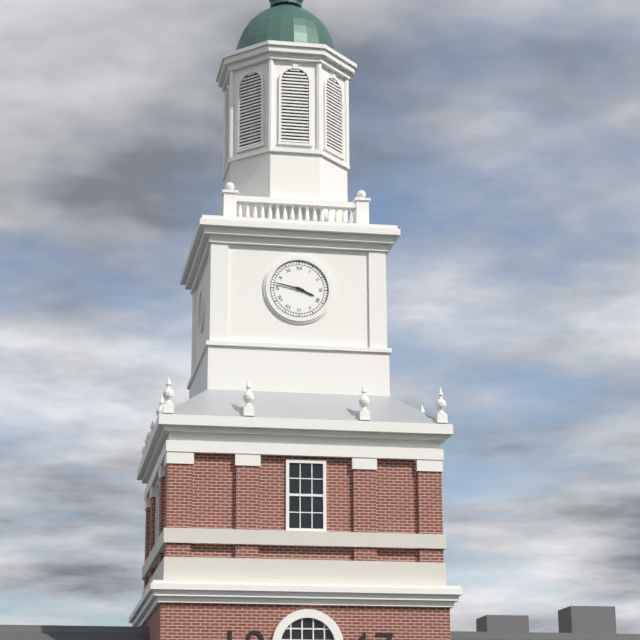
3:47
